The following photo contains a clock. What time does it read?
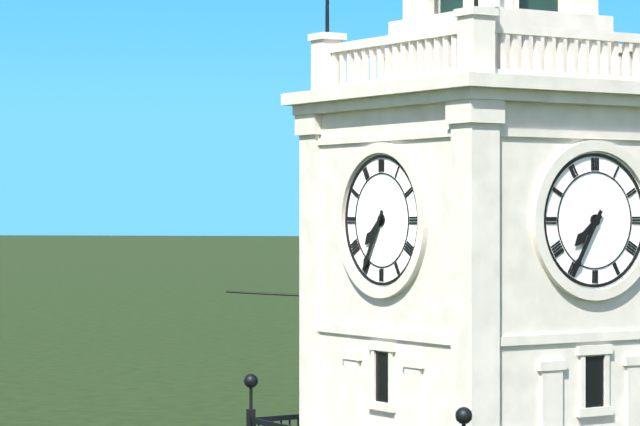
7:35
